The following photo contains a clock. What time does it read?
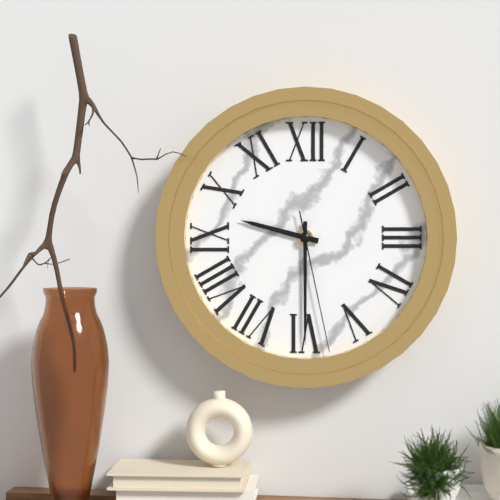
9:30:28
